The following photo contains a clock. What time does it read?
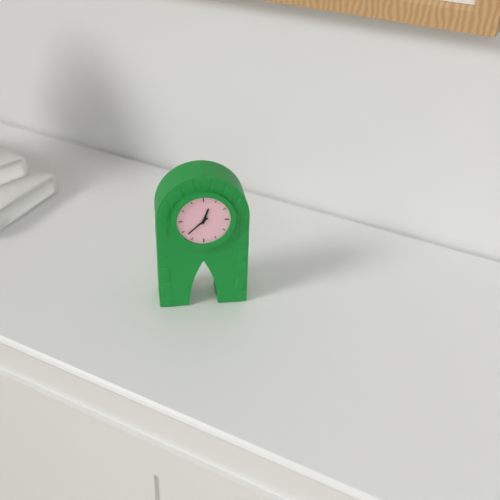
12:38
